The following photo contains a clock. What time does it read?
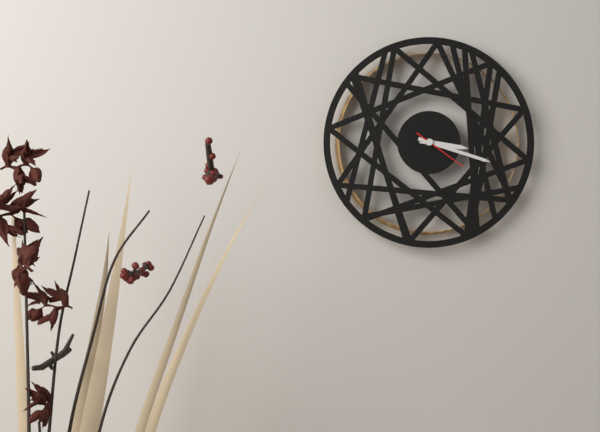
3:18:21
